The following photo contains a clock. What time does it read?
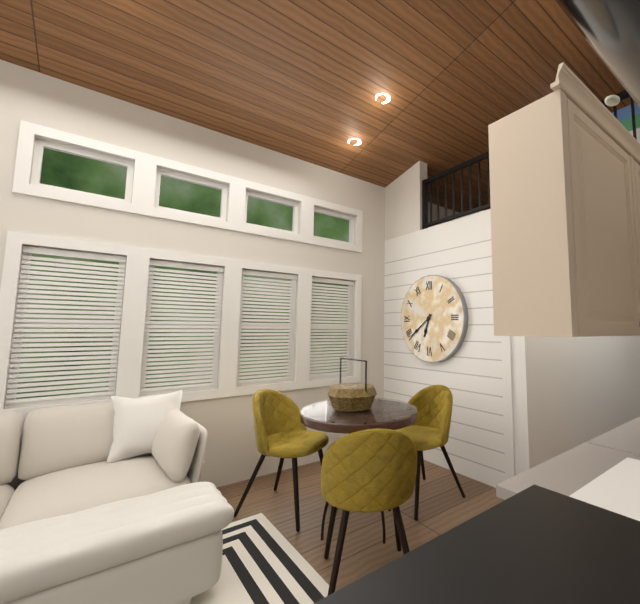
6:39
